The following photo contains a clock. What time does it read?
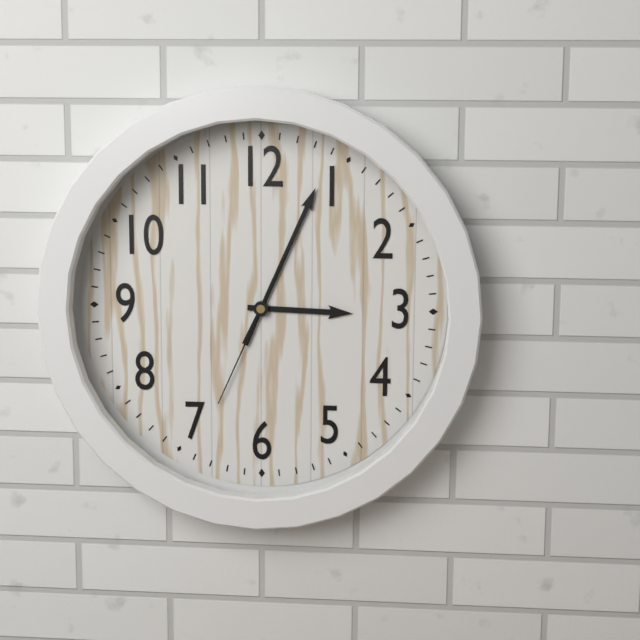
3:04:34
